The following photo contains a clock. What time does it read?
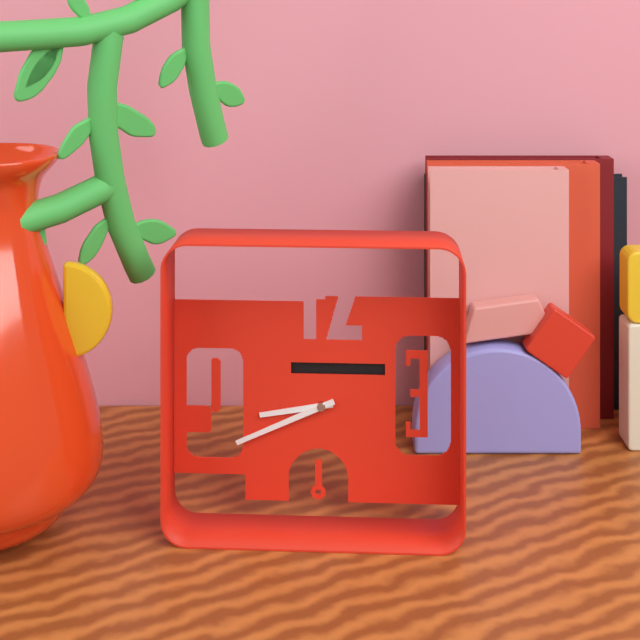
8:41
